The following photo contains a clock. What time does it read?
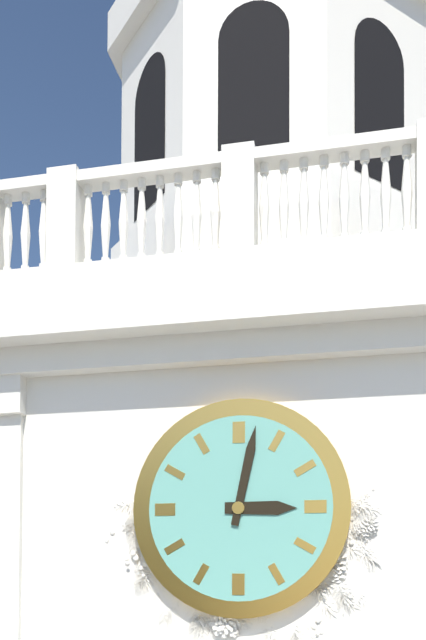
3:02
